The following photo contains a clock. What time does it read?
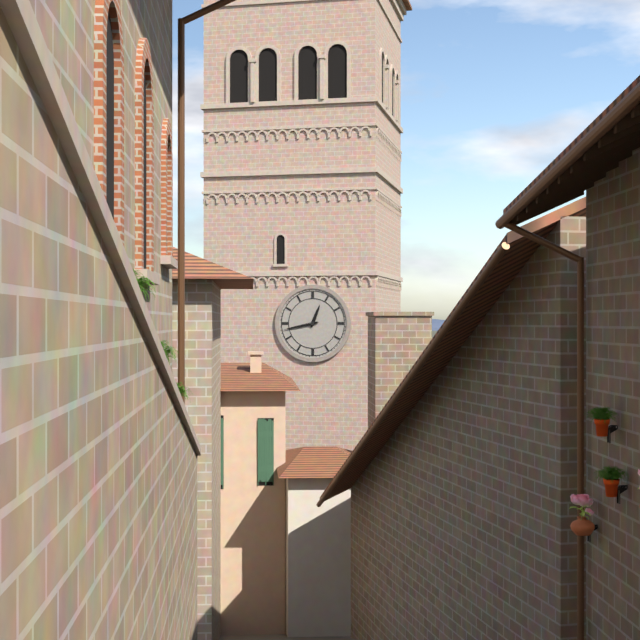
12:43
